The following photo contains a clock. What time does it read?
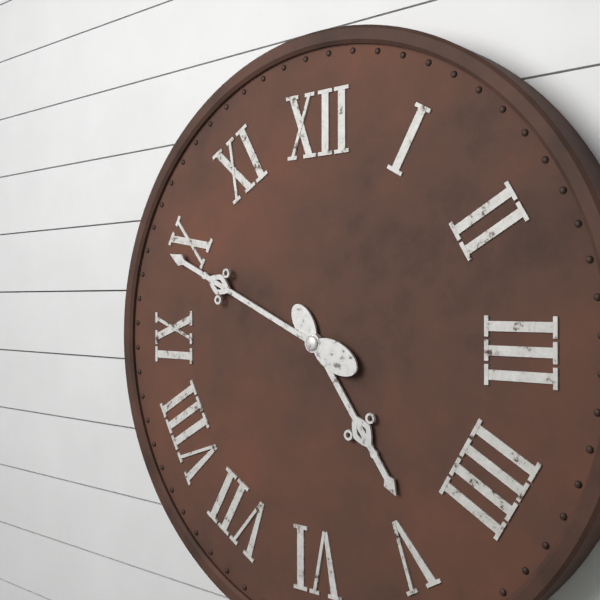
4:49
